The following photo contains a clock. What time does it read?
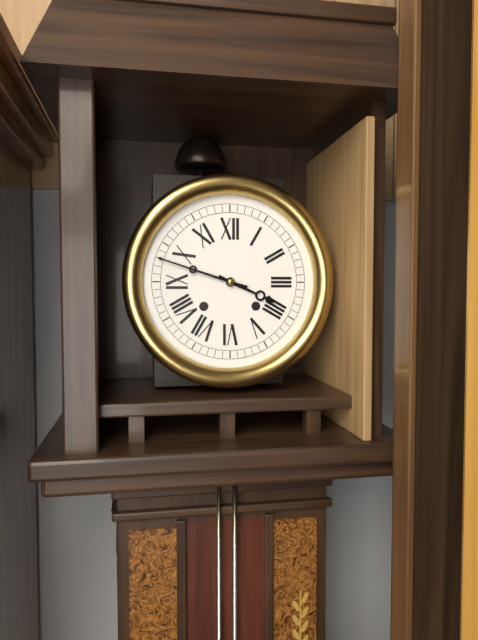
3:48
